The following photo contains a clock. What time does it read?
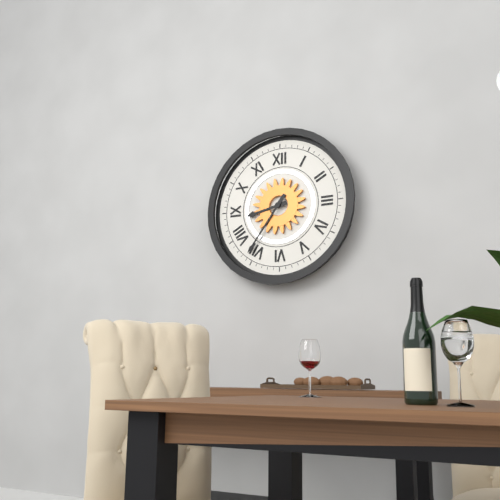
8:36
